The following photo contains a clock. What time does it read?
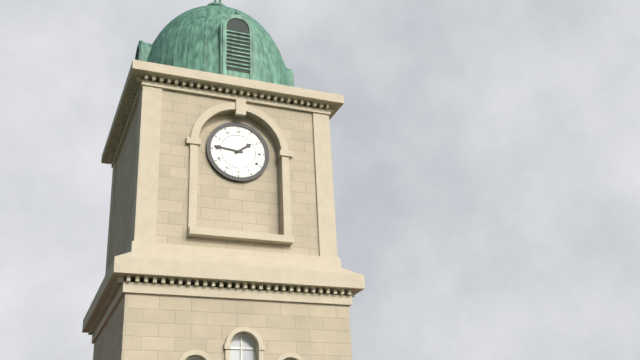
1:46
